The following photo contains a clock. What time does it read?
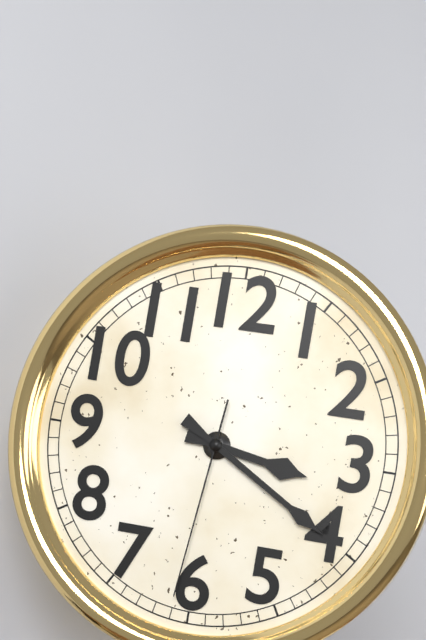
3:20:31
